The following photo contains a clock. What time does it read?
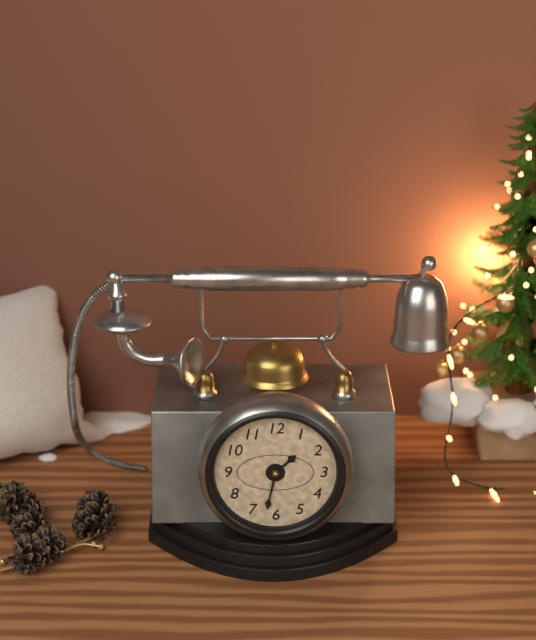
1:32
